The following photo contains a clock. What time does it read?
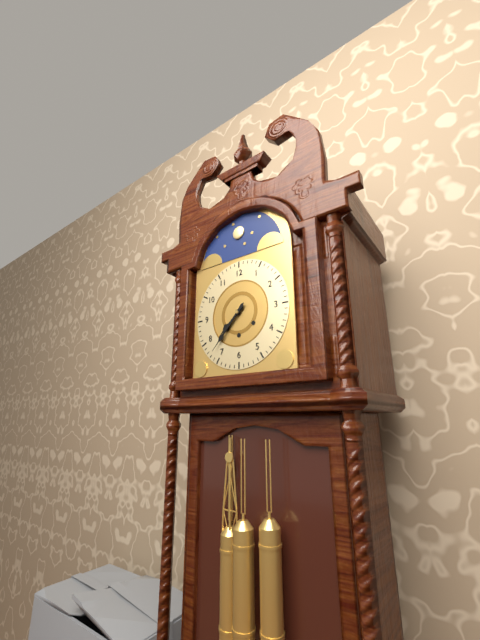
7:37
